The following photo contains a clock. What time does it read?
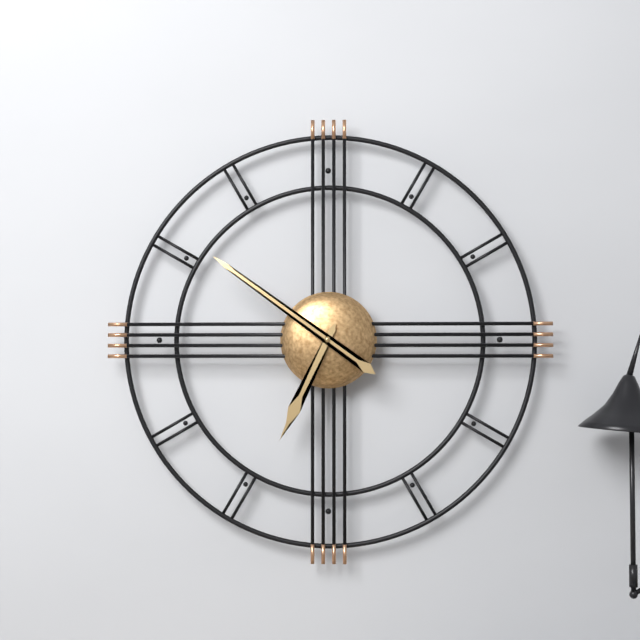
6:51
